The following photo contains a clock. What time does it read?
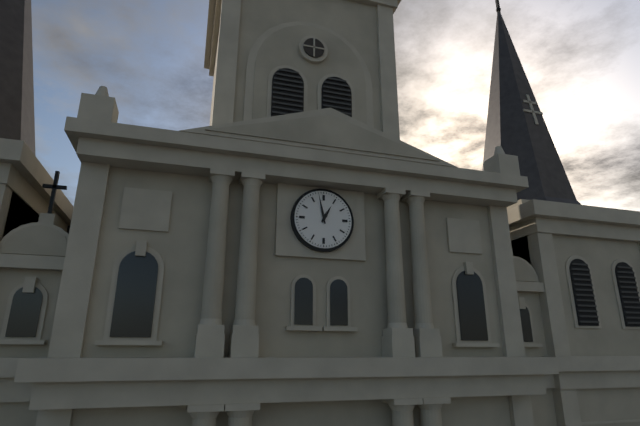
12:58
